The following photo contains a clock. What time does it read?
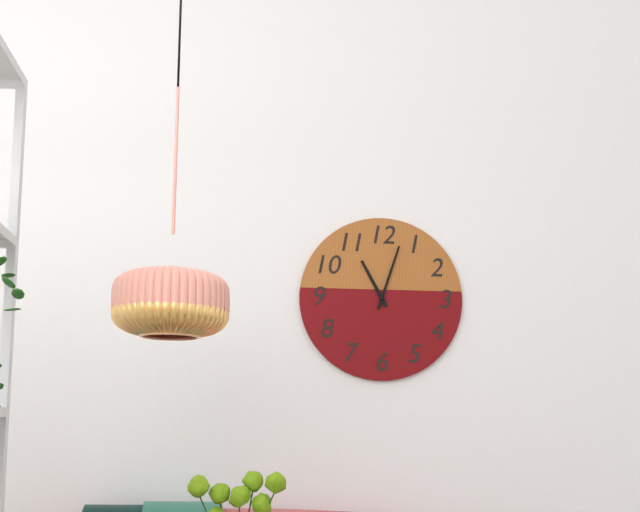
11:03
